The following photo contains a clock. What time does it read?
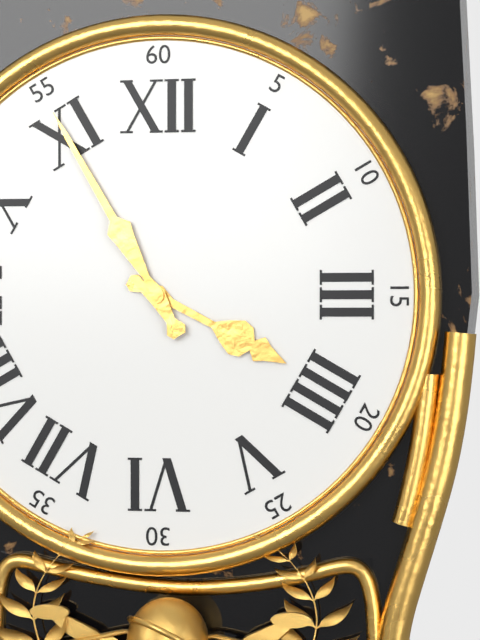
3:55
